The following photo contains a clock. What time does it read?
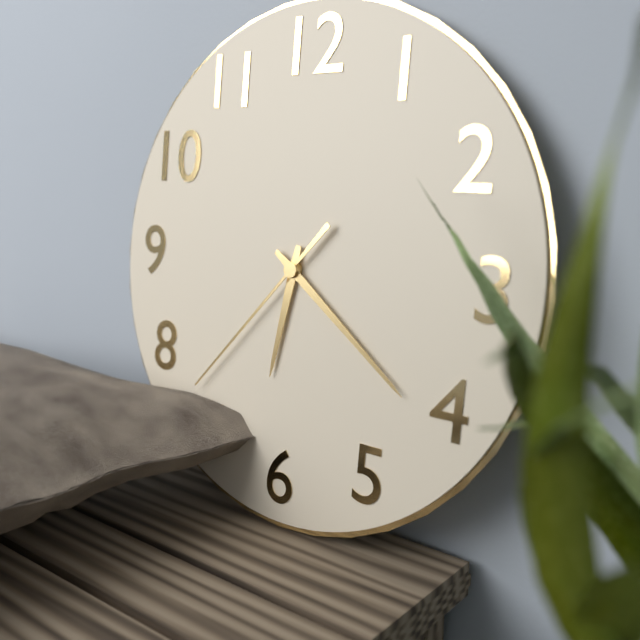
6:21:37
